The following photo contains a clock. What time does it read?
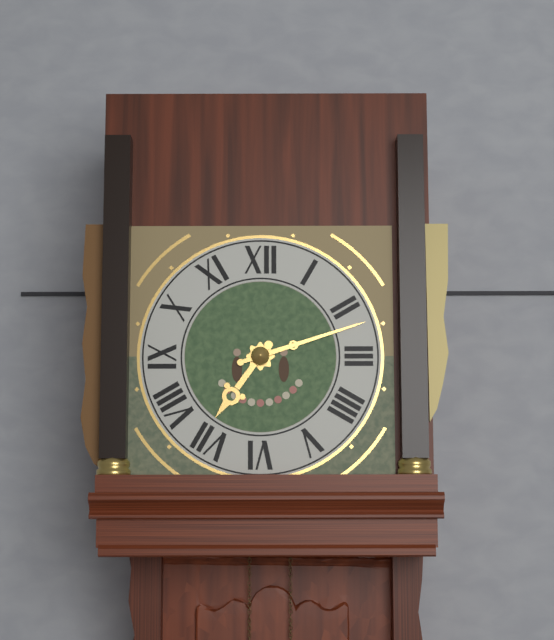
7:12
